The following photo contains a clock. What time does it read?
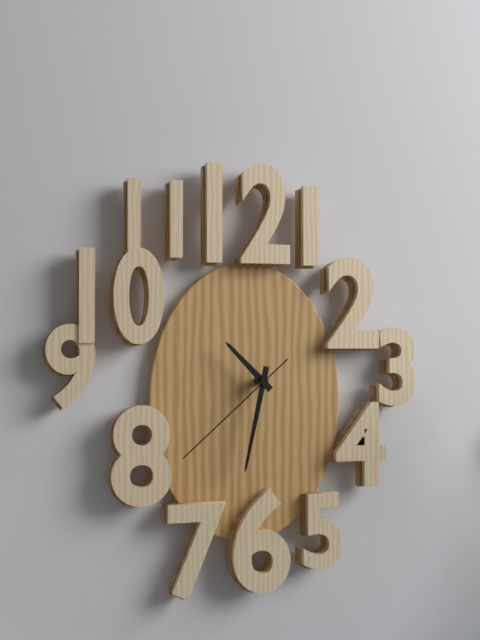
10:32:38
